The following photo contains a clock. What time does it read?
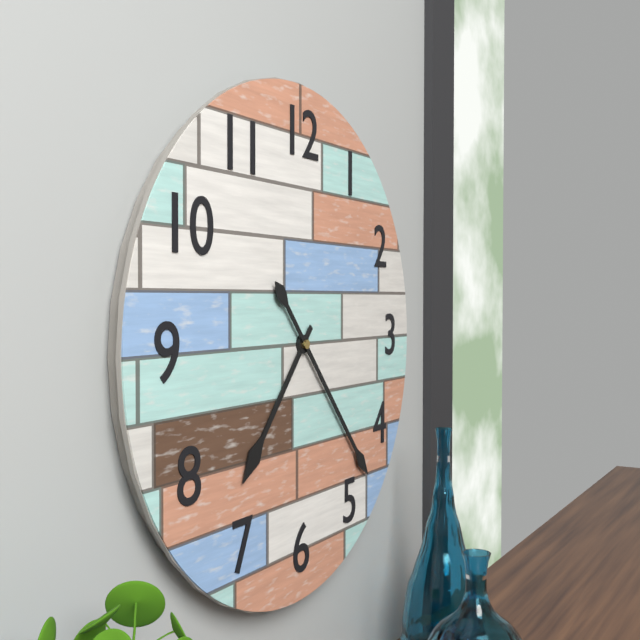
7:23
